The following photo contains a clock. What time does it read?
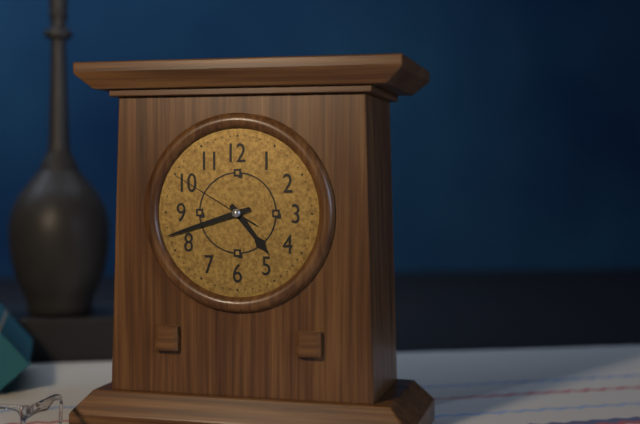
4:42:50
